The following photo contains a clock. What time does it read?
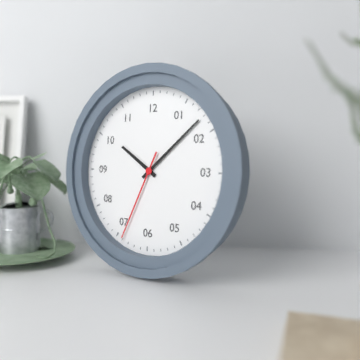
10:08:34
